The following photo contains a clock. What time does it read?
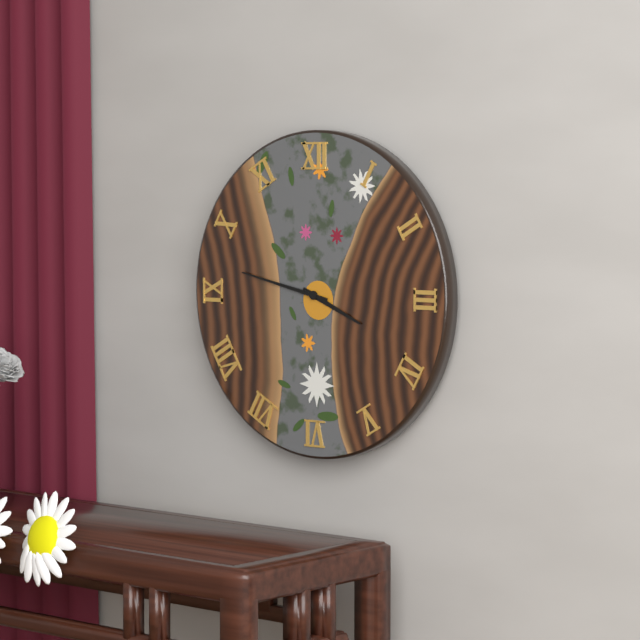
3:47
